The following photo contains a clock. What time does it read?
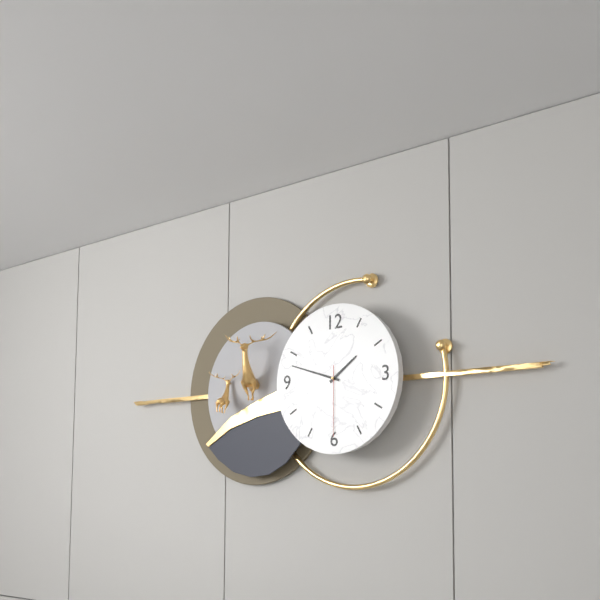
1:48:30
